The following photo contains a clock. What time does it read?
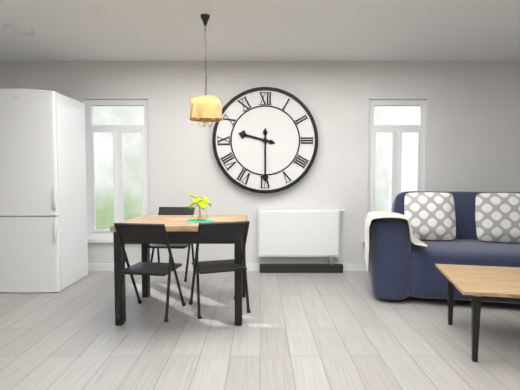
9:30
